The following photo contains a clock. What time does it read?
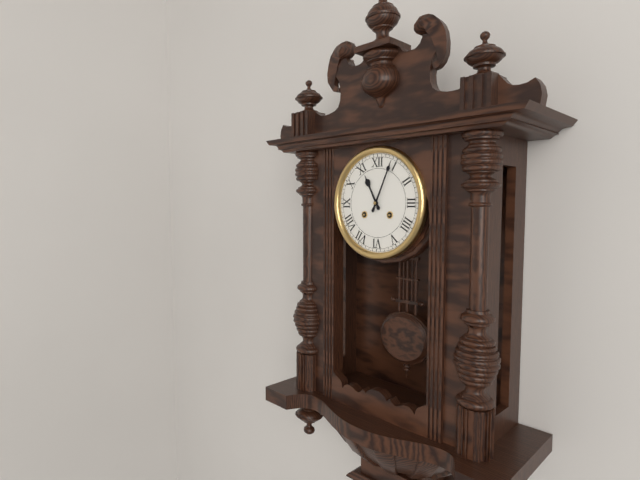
11:04
